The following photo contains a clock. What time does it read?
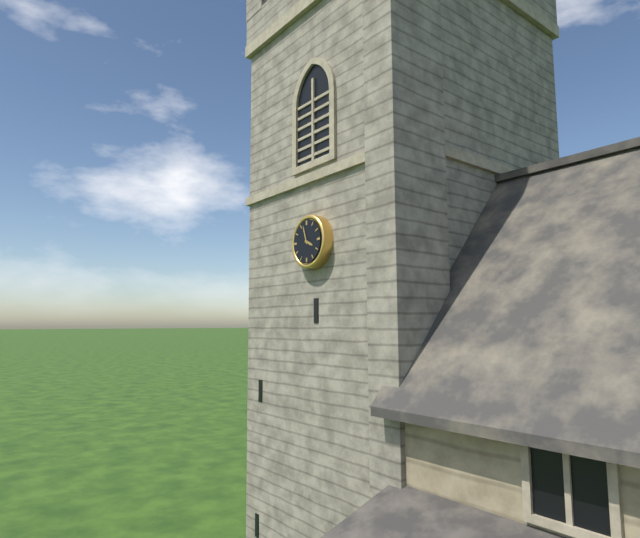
3:57
